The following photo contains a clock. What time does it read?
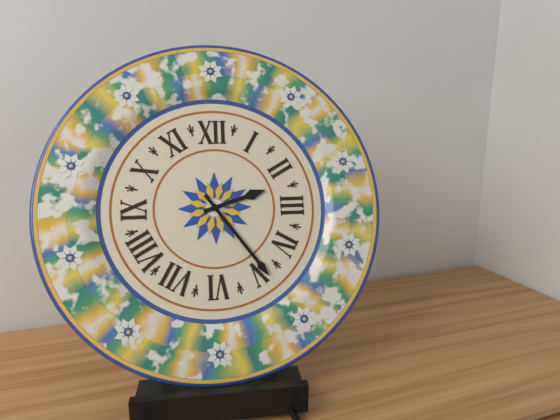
2:24
